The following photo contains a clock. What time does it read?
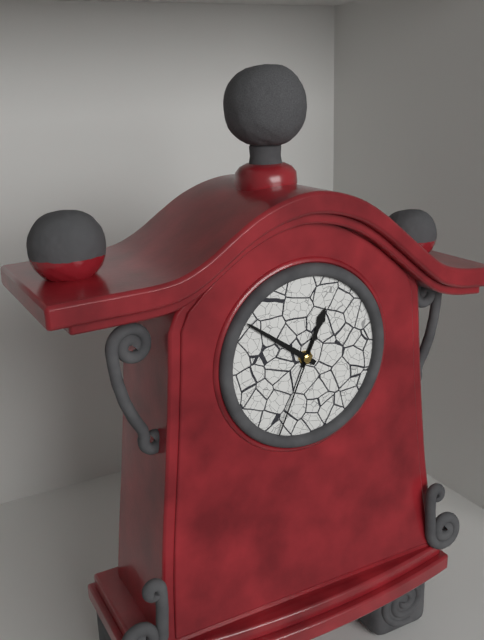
12:51:34
